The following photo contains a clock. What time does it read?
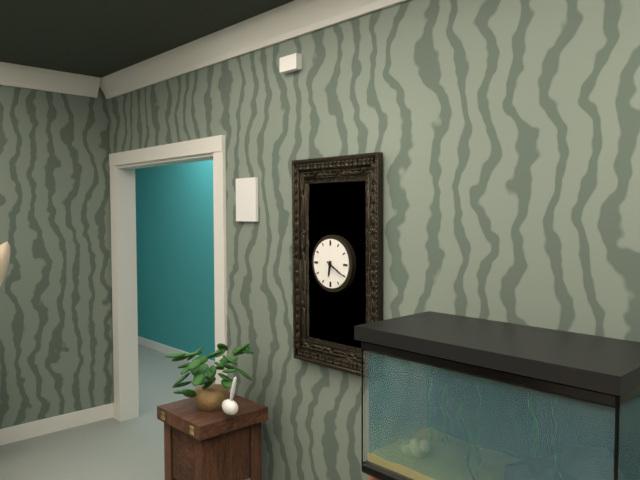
6:20
